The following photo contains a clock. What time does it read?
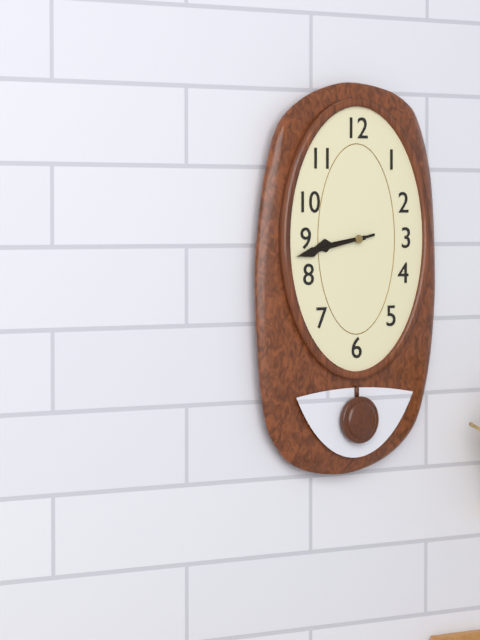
8:43
